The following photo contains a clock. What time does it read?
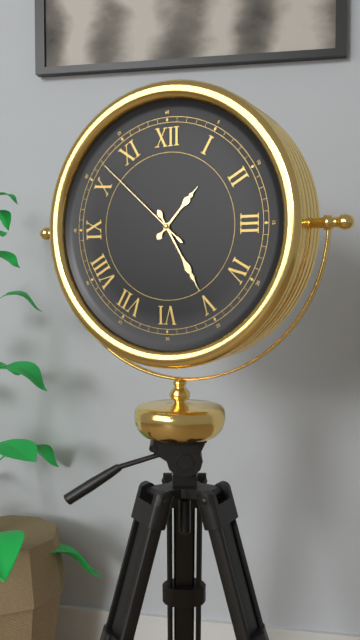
1:25:52
